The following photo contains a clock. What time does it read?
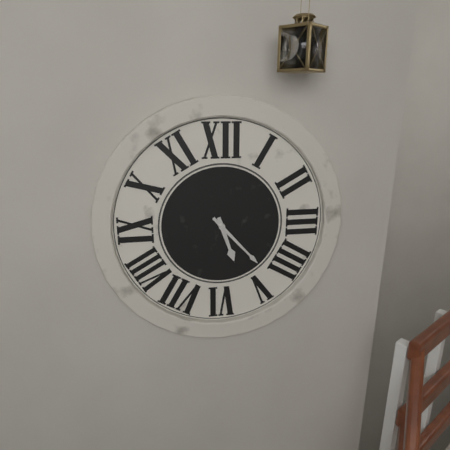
5:23
